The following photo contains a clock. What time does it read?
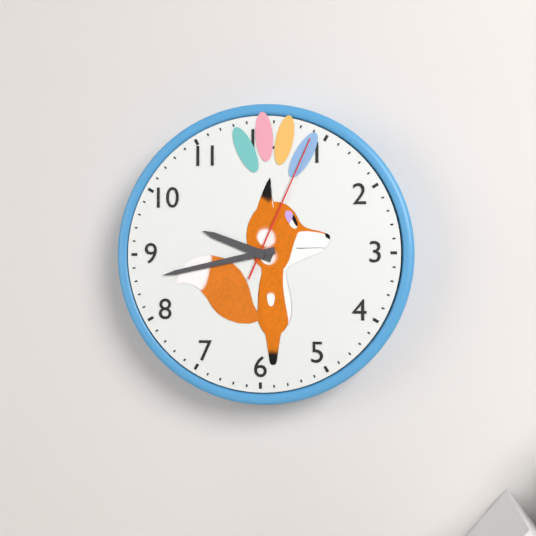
9:43:04
